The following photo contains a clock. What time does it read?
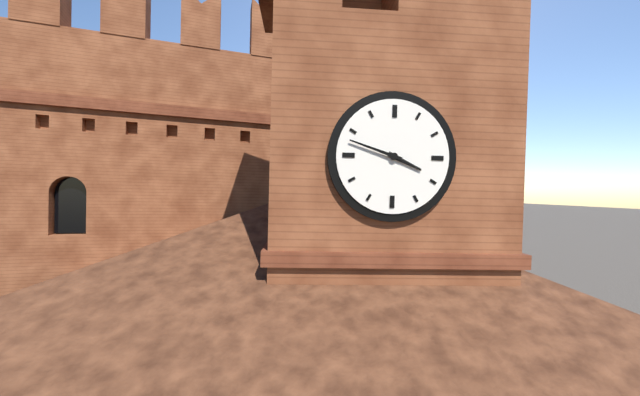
3:48
